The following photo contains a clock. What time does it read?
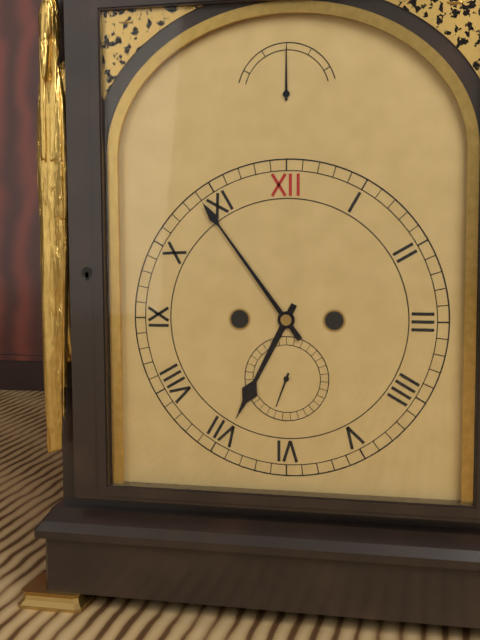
6:54
